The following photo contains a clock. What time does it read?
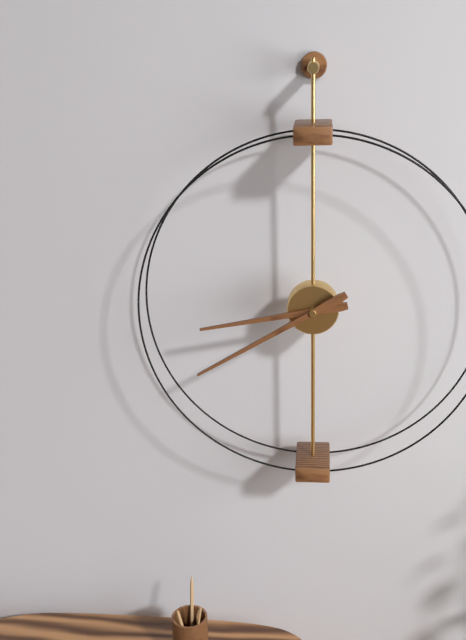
8:40
